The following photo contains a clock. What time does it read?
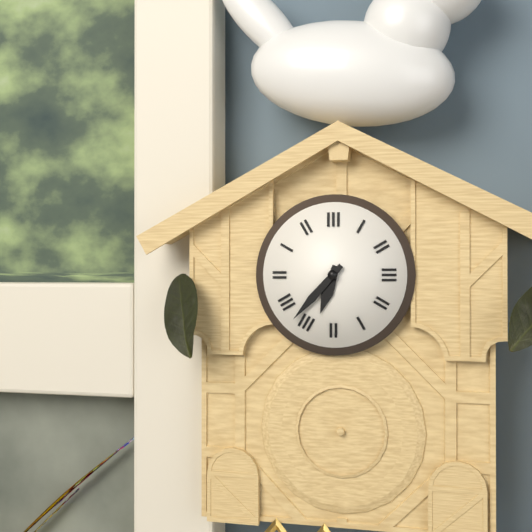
6:37
